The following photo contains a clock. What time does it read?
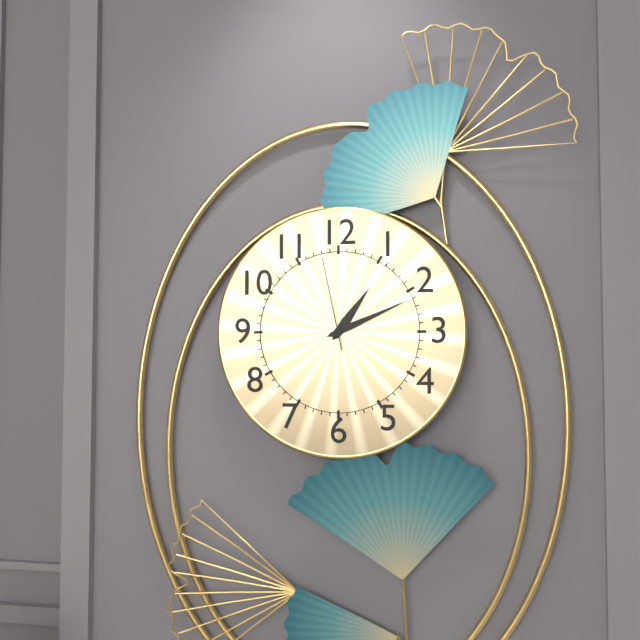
1:11:58
